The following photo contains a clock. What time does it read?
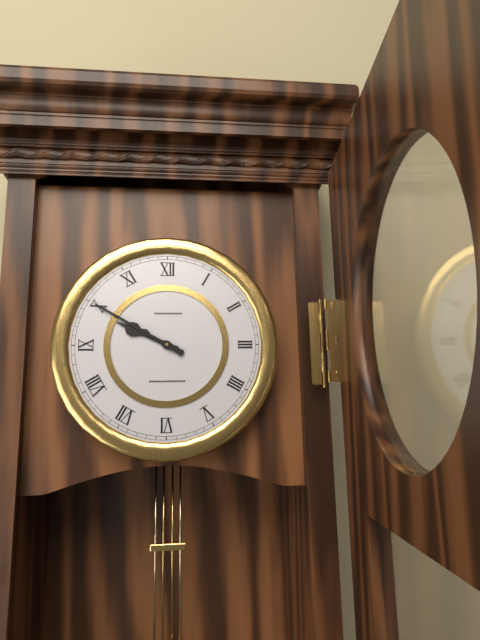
9:50
